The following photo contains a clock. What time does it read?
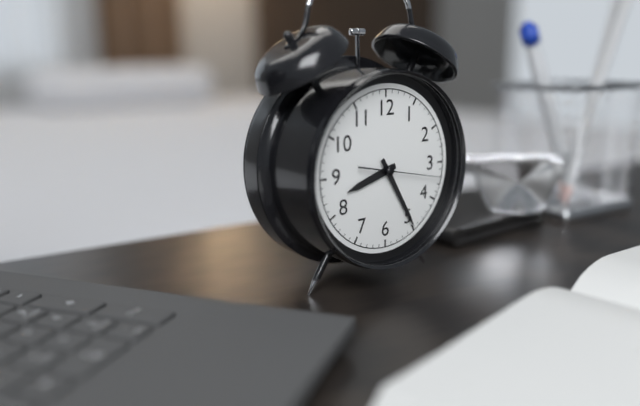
8:25:17
